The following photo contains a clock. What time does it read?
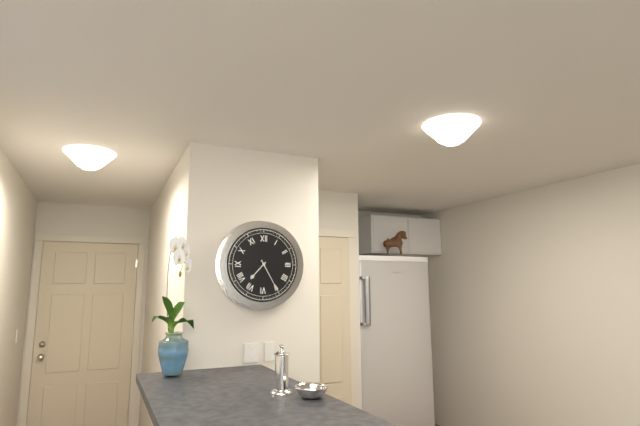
7:25
